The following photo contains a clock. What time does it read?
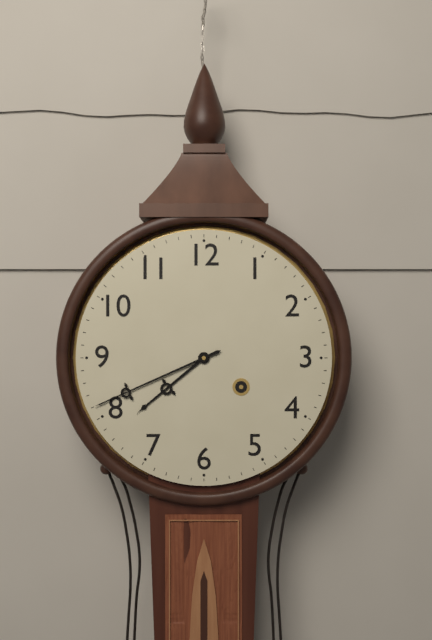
7:41
